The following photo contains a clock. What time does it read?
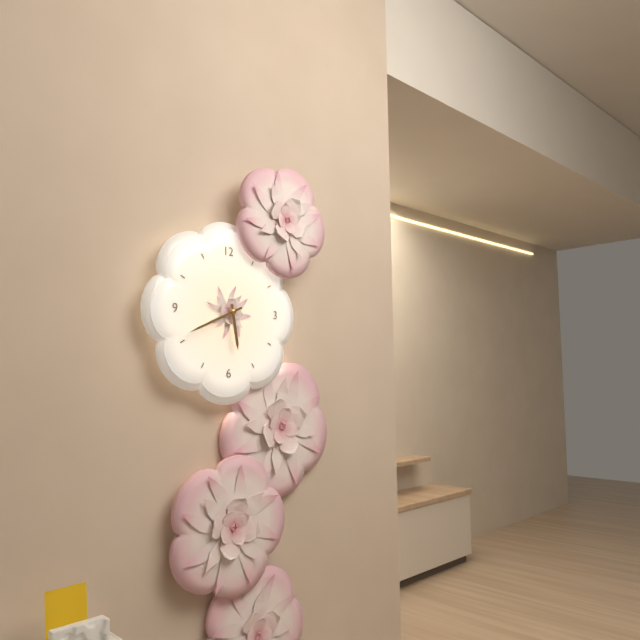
5:41
